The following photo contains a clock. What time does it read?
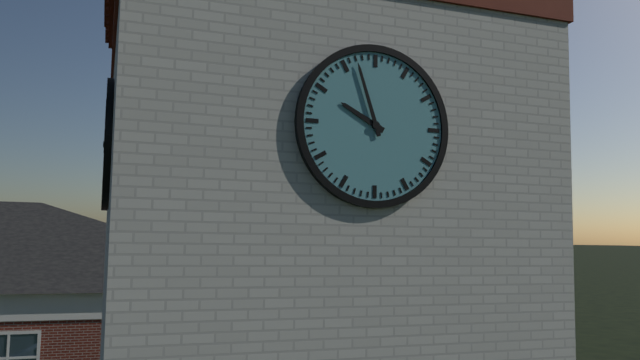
9:57
